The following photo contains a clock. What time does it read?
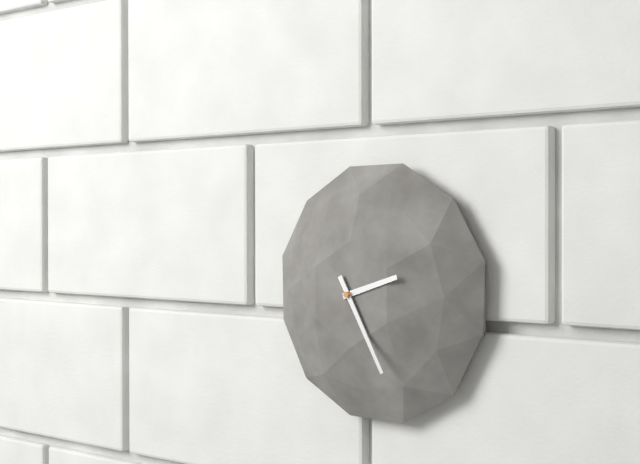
2:25
